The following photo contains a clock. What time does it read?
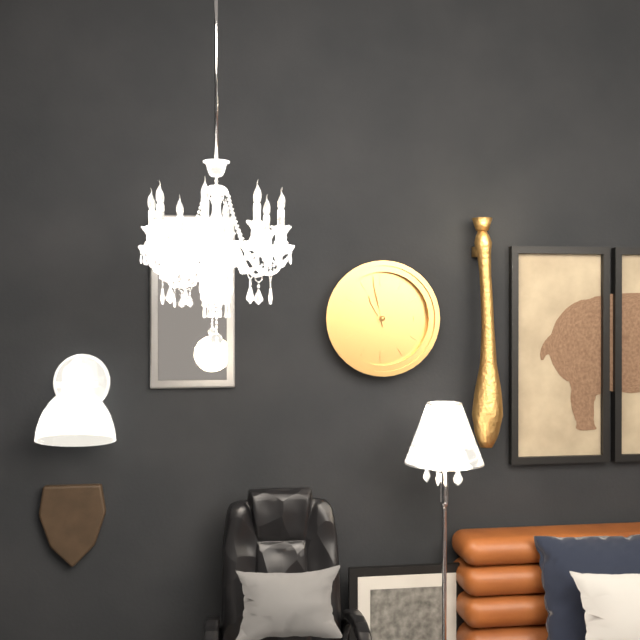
10:58
